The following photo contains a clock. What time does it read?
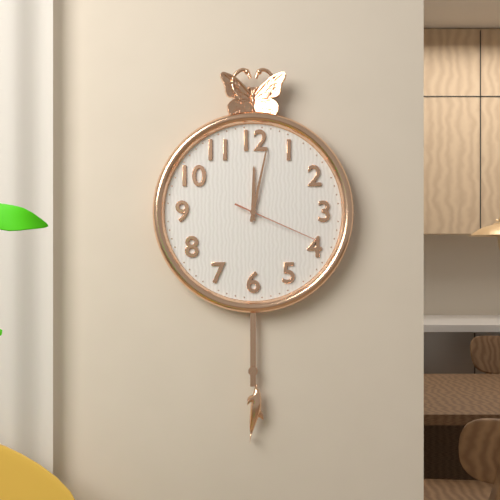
12:02:19
